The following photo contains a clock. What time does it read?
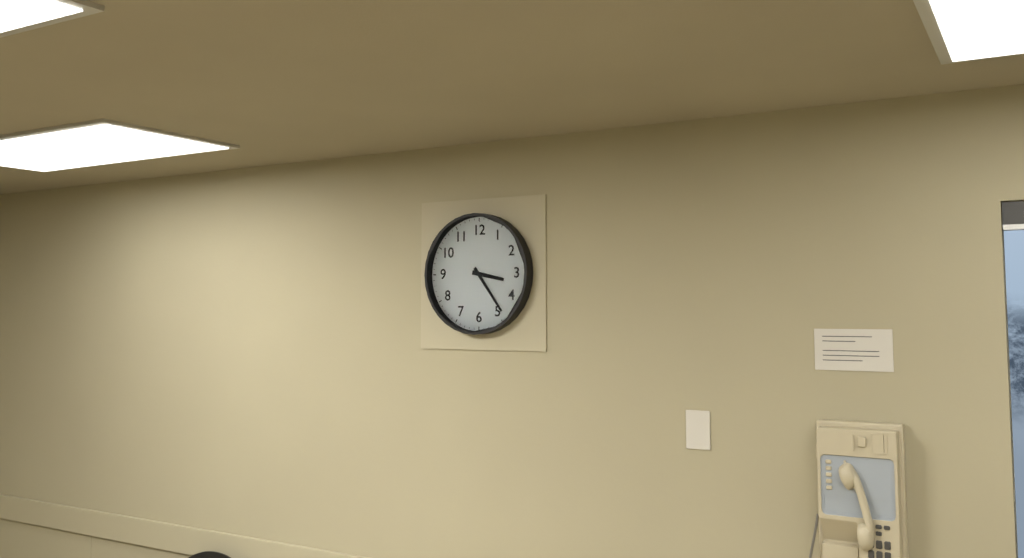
3:24
